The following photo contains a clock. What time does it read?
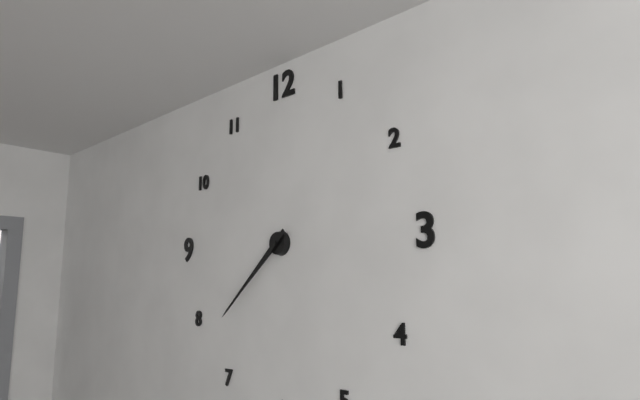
7:38
